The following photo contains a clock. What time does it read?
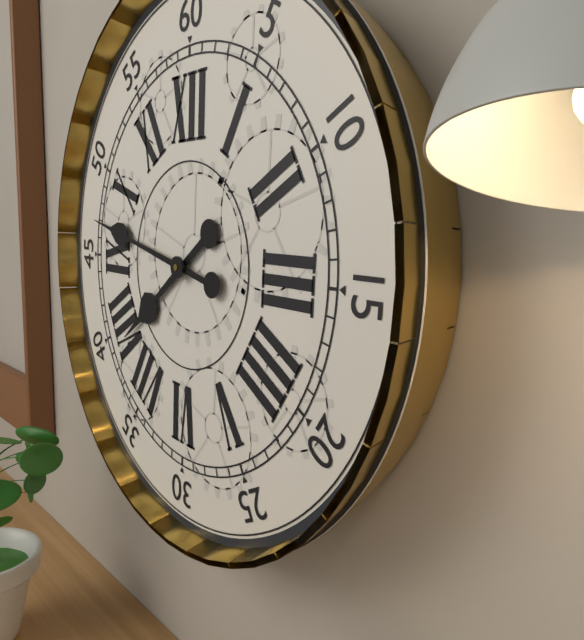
7:47
